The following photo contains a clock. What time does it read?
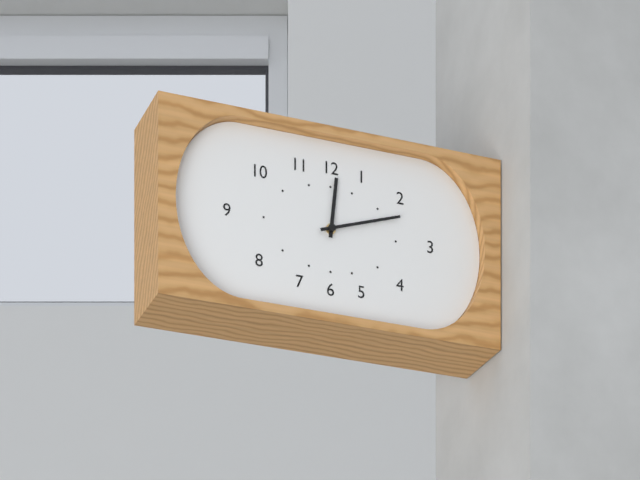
12:12
